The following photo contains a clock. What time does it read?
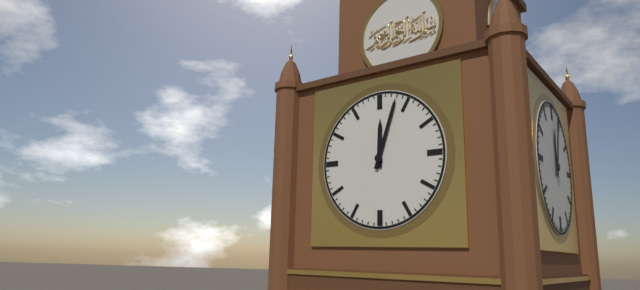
12:03
